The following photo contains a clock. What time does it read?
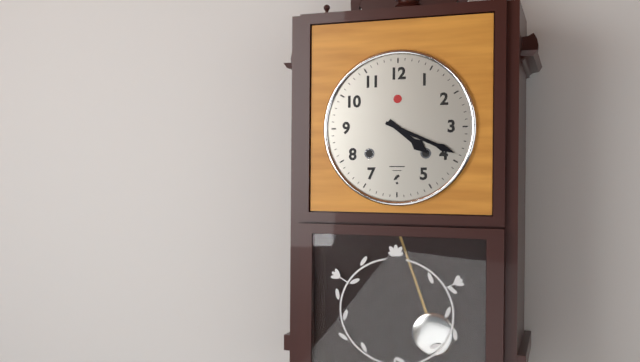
4:19
